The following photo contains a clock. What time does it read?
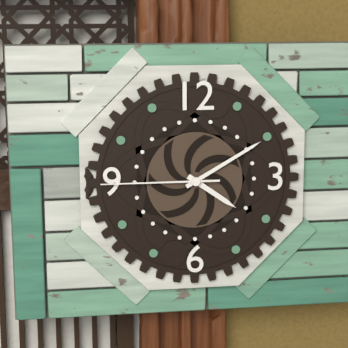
4:10:45
